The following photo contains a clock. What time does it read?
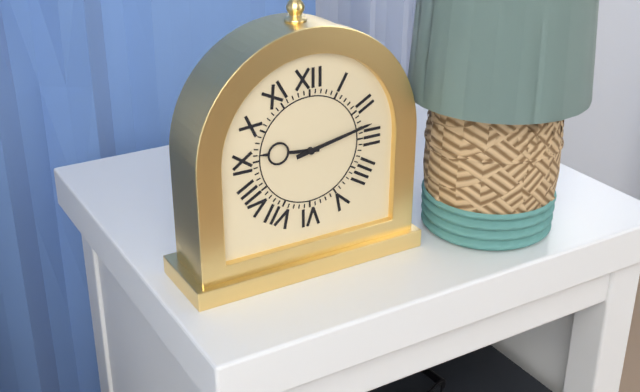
9:13
